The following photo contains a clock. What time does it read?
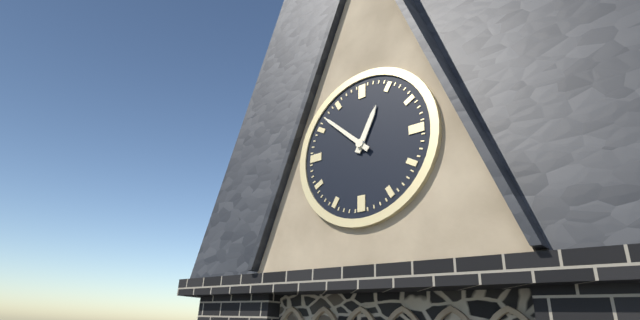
12:52
